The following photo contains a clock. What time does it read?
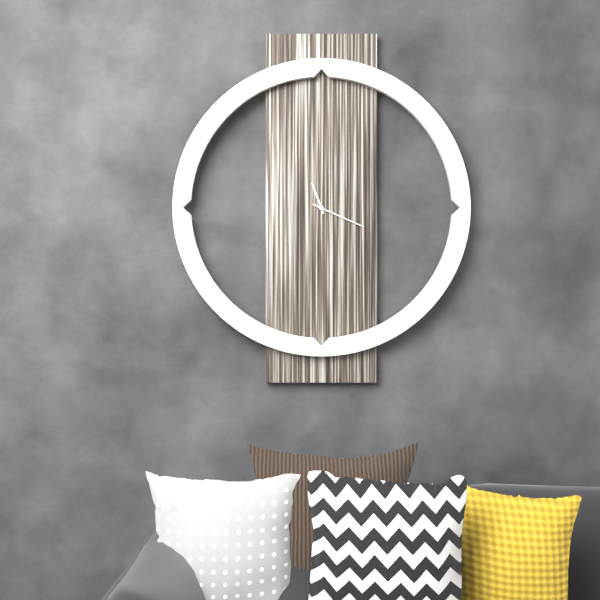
11:19
